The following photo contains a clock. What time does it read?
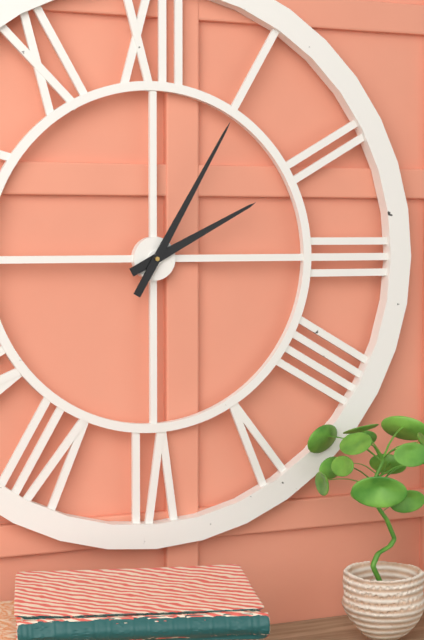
2:05
